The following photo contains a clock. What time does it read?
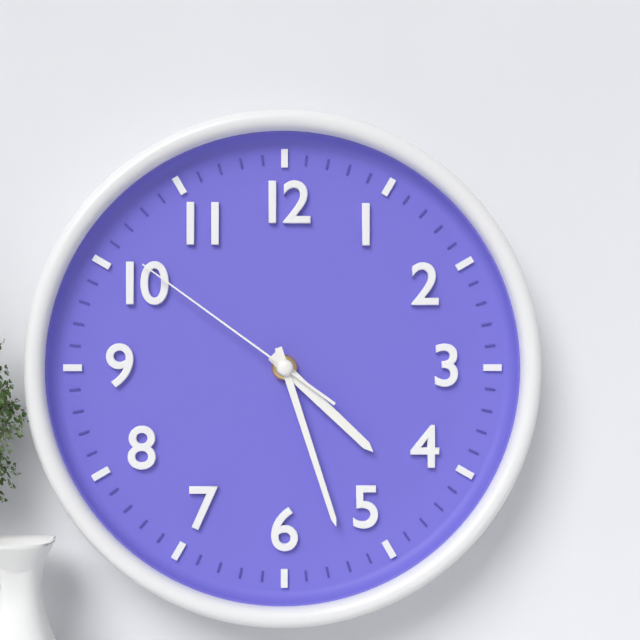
4:27:51
